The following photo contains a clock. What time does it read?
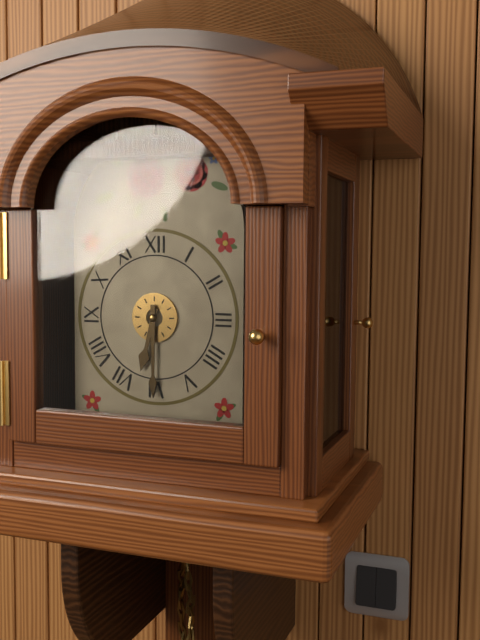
6:30
